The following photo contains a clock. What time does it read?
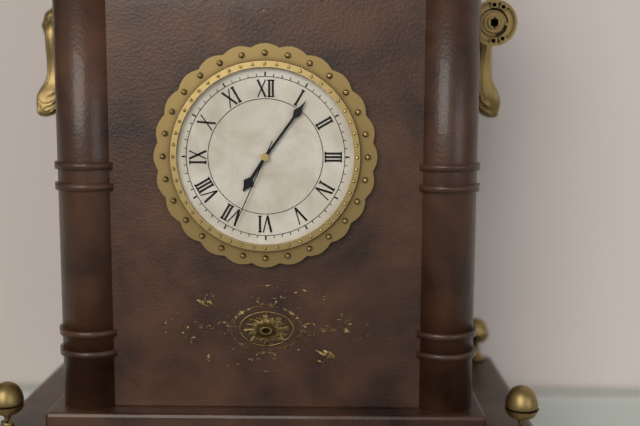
7:06:34
